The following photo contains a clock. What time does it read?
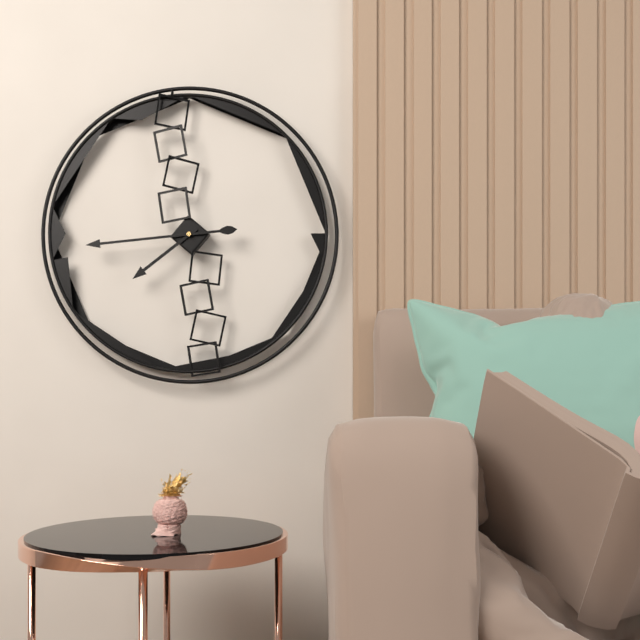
7:44
